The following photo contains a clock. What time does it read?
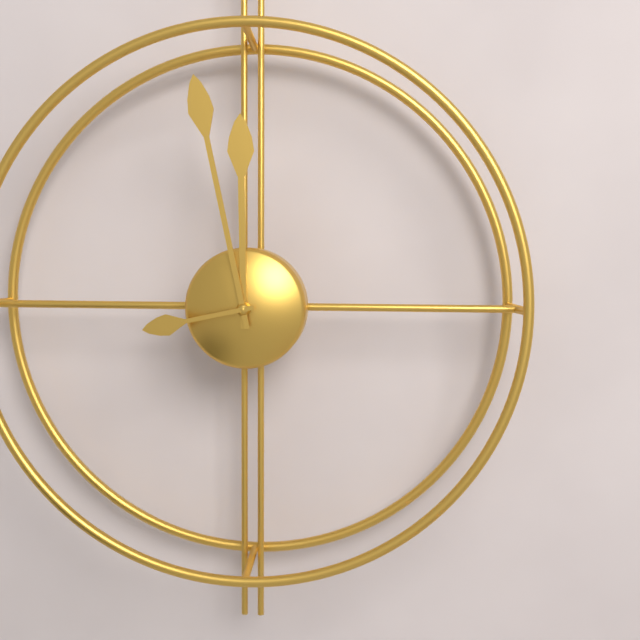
11:58:43
